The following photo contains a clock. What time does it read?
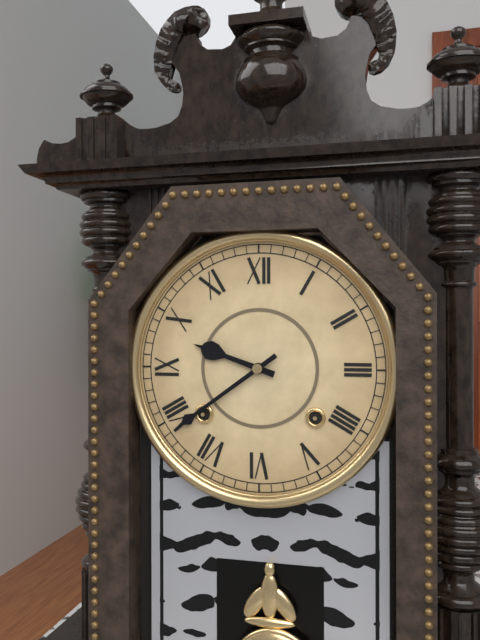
9:39
